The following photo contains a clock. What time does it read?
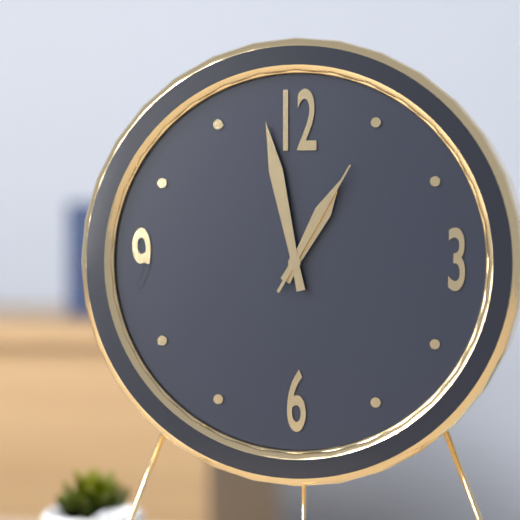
12:58:05
